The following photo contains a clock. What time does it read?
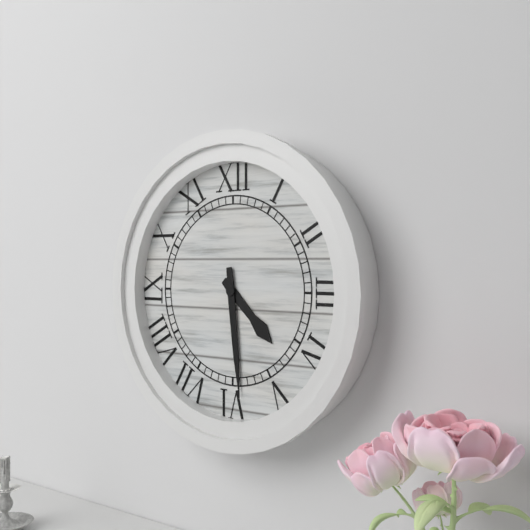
4:29
